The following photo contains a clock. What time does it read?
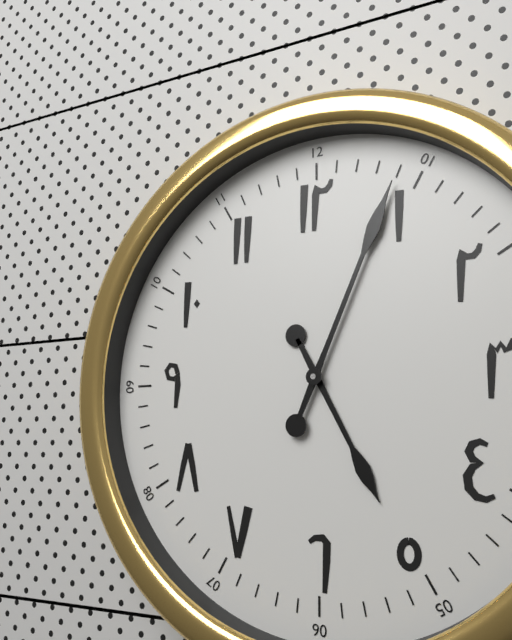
5:04
